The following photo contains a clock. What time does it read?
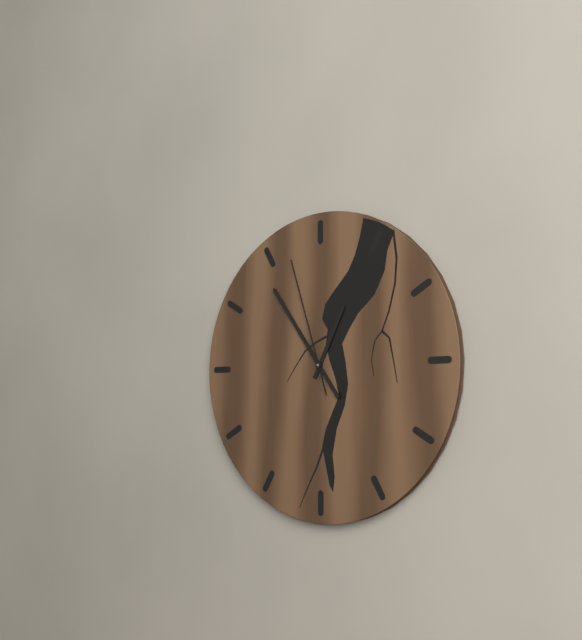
12:54:57
